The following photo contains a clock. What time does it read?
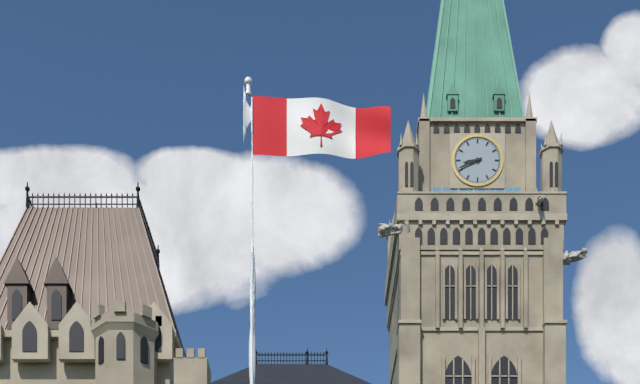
8:41
